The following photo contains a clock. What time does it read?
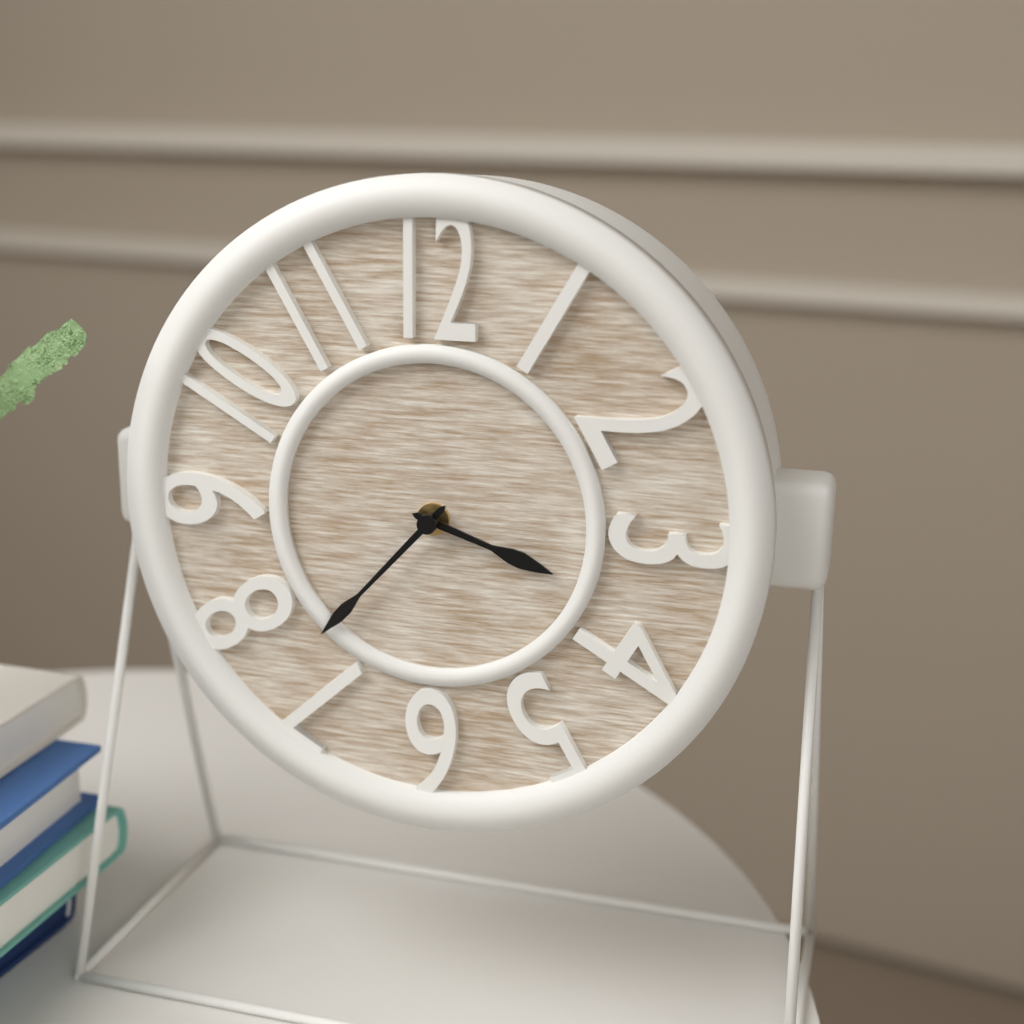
3:37
